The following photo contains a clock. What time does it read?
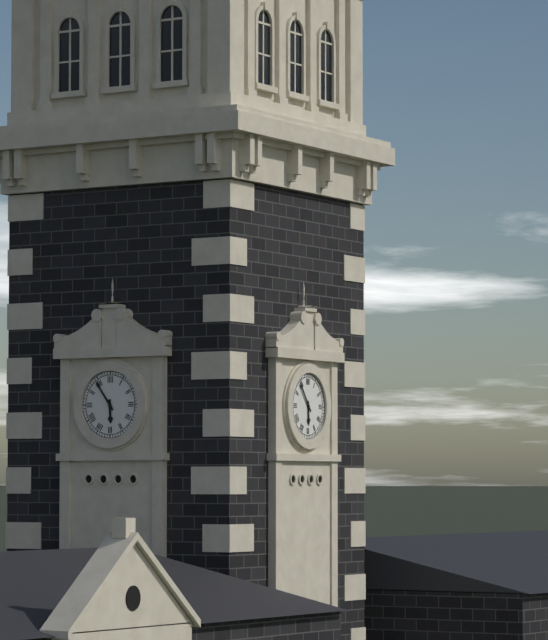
5:54
